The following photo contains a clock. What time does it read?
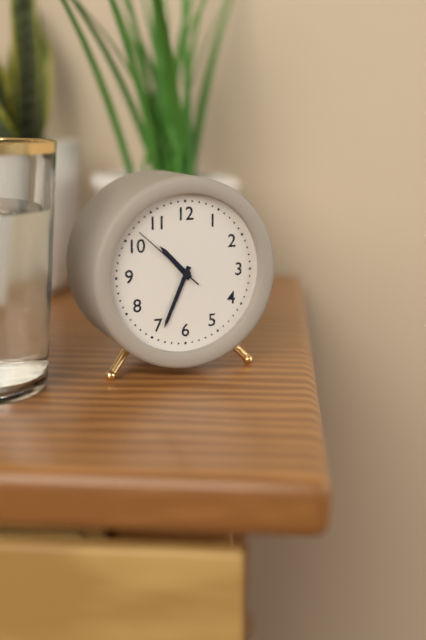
10:34:52
